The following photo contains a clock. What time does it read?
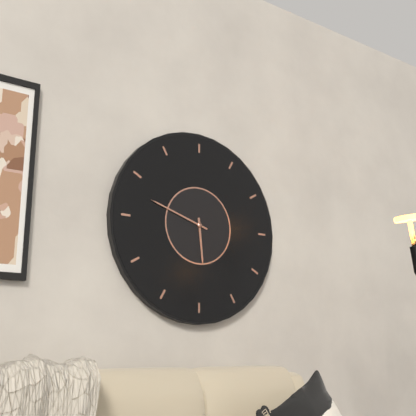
5:48
